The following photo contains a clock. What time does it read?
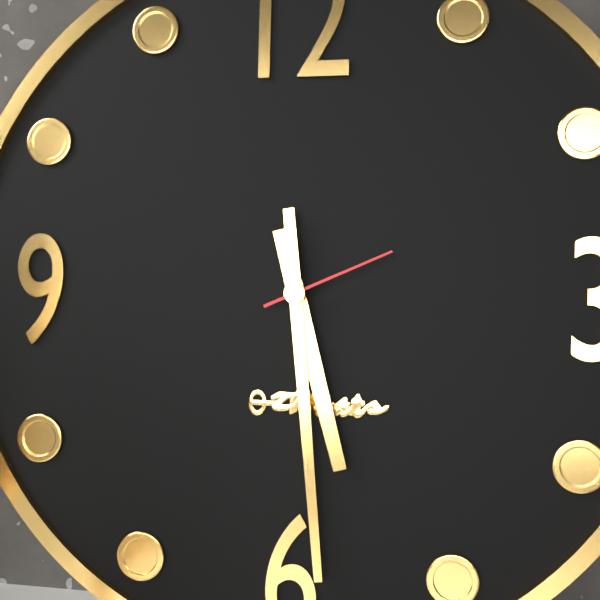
5:29:11
